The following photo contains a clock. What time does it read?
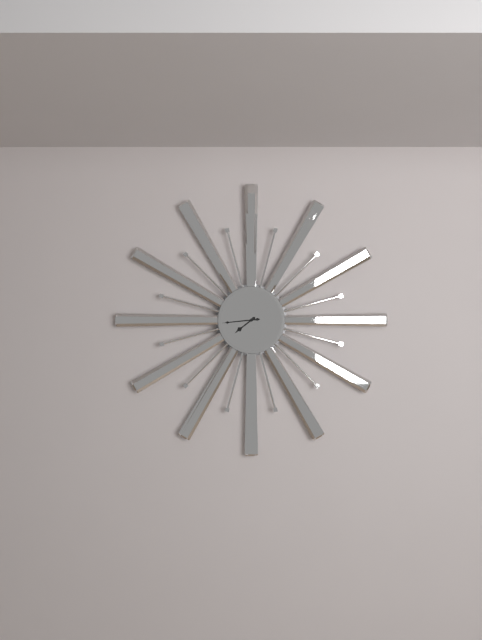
7:44
